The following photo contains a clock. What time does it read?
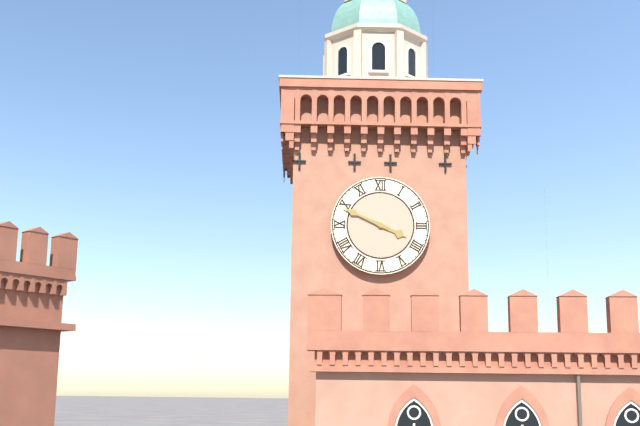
3:49
